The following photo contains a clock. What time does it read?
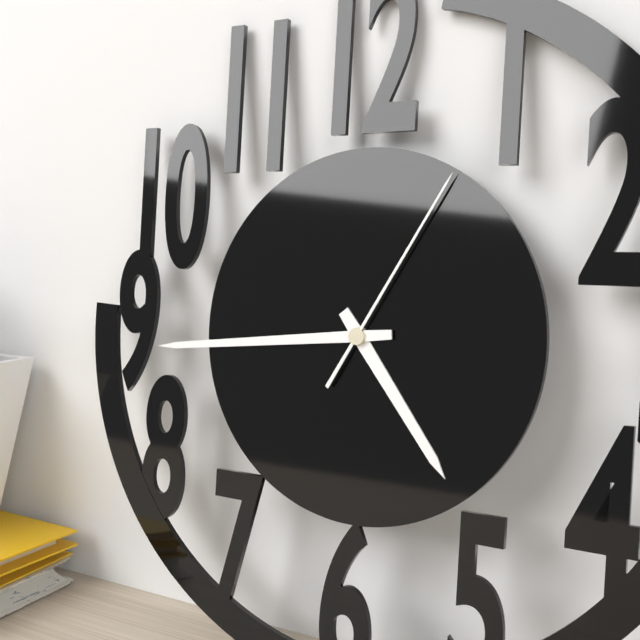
4:44:05
